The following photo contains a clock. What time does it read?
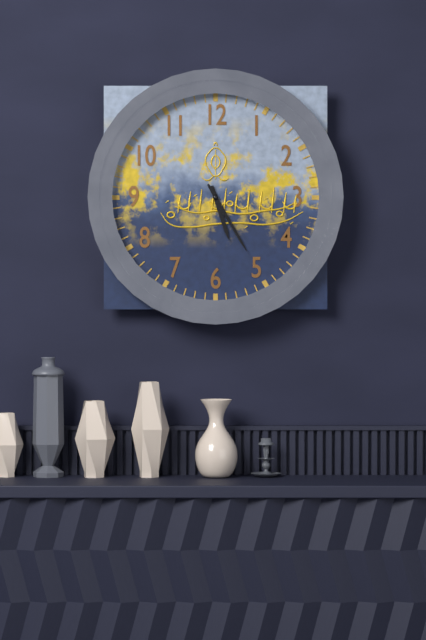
5:25
